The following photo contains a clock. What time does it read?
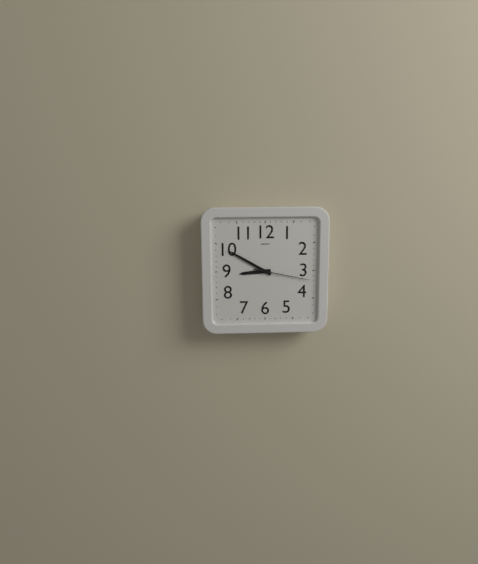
8:50:17
